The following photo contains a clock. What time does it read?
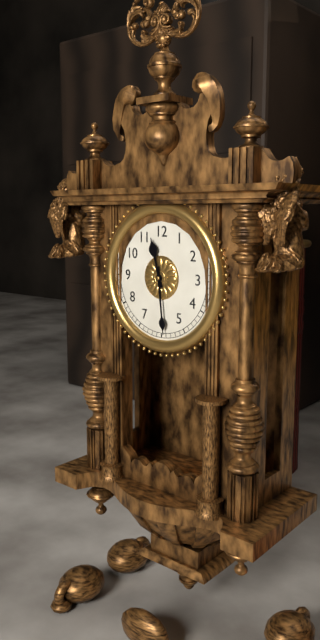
11:29
